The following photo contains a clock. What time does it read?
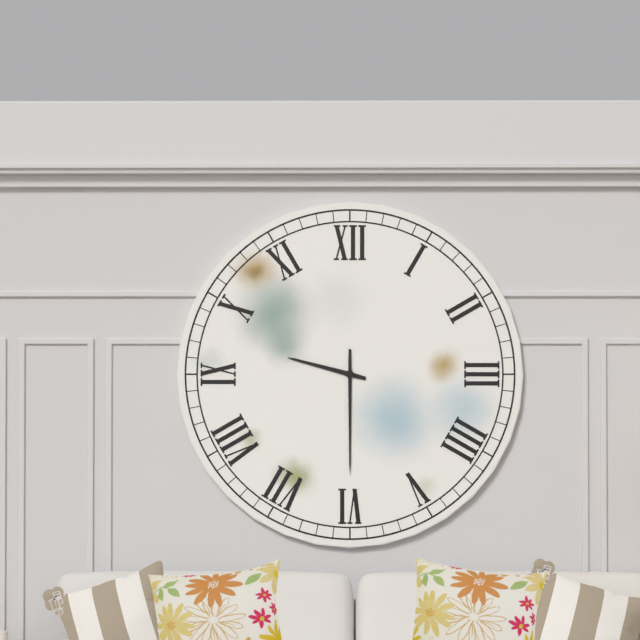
9:30
